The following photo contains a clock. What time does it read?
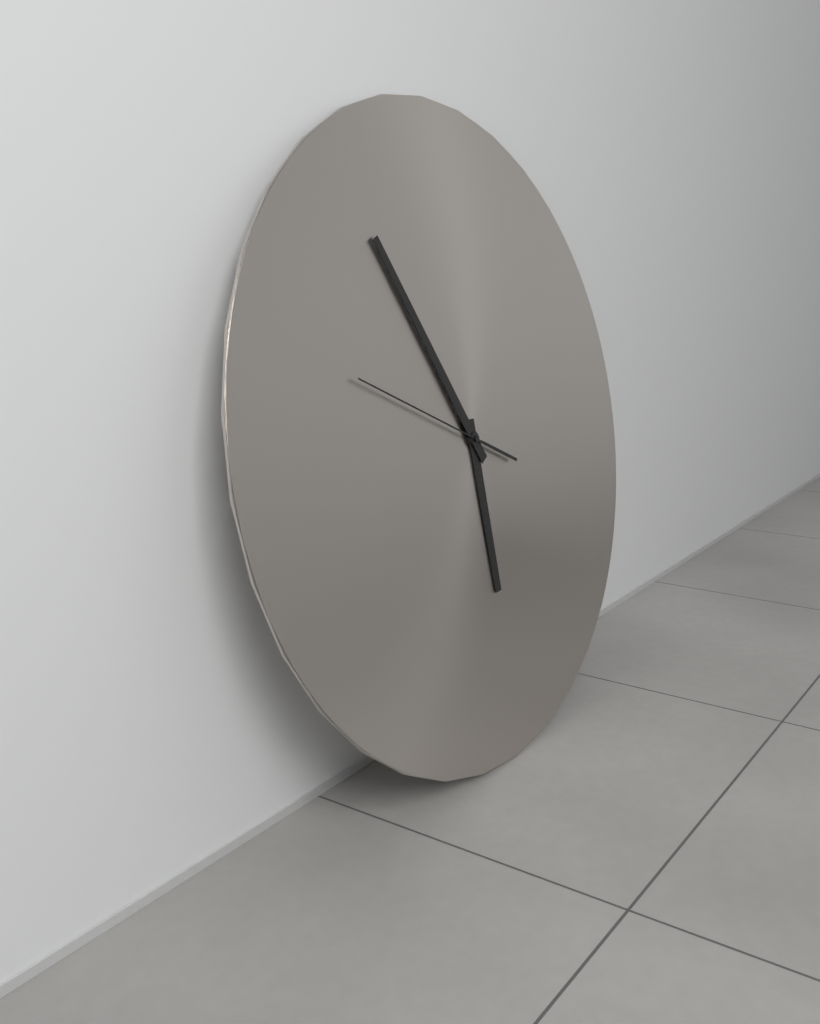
5:55:49
